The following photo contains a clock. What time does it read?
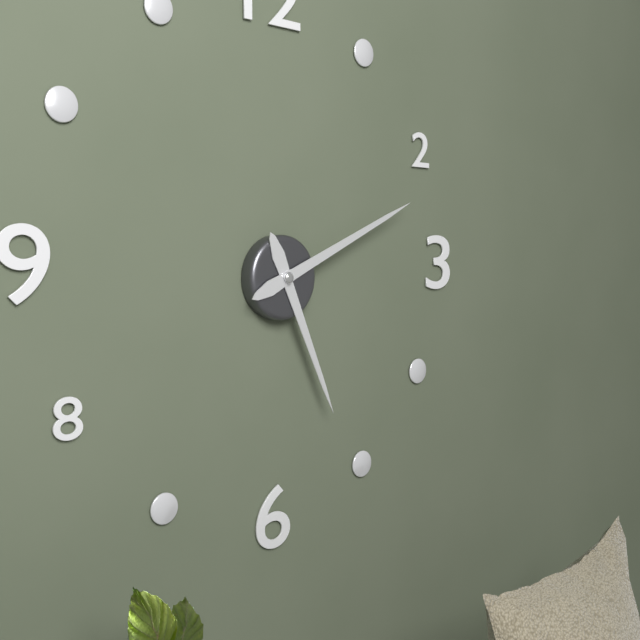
5:11
